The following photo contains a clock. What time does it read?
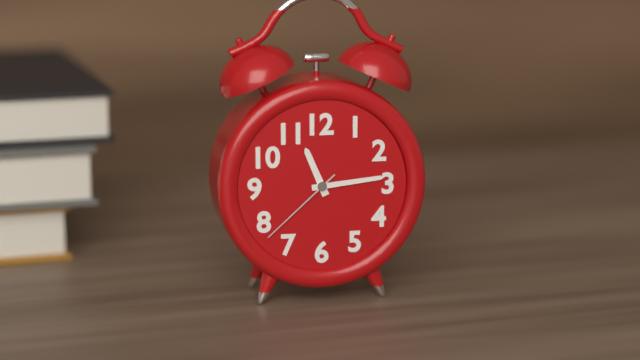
11:14:38
